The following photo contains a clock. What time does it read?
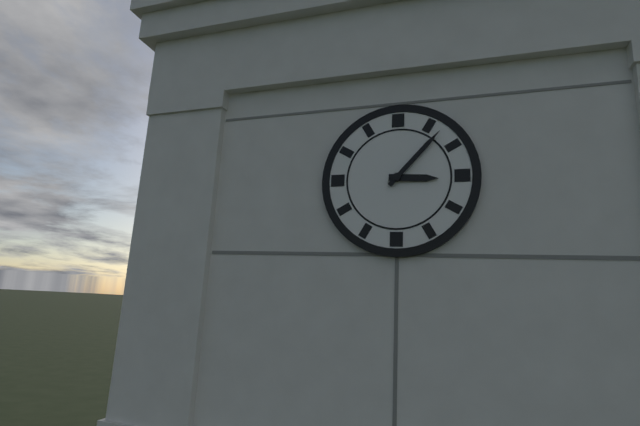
3:07
